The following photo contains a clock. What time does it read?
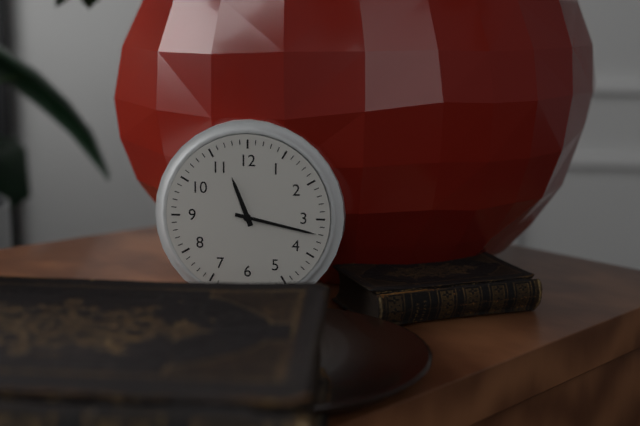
11:17
